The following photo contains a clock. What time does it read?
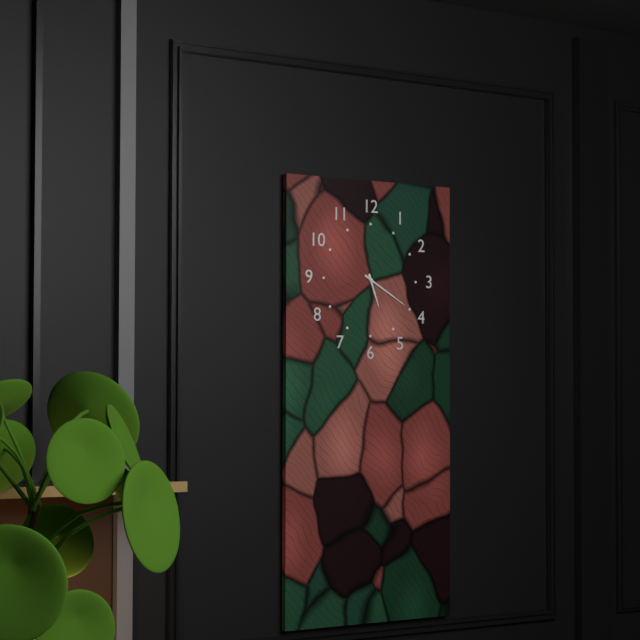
5:20
